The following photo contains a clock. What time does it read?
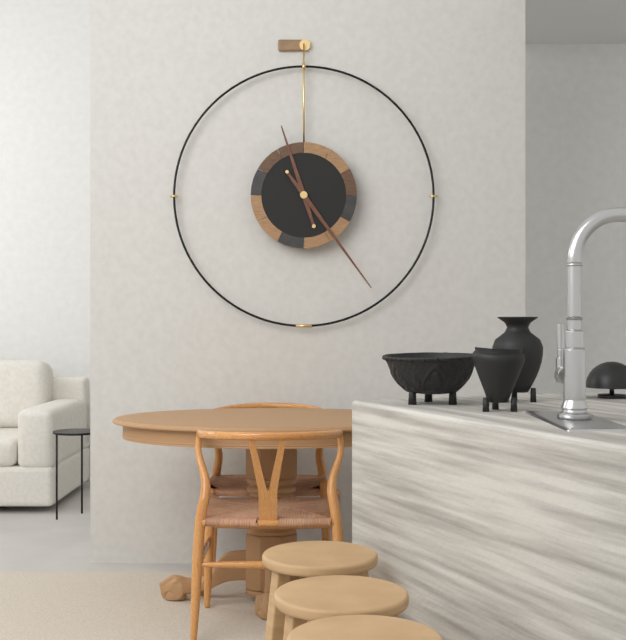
11:24
